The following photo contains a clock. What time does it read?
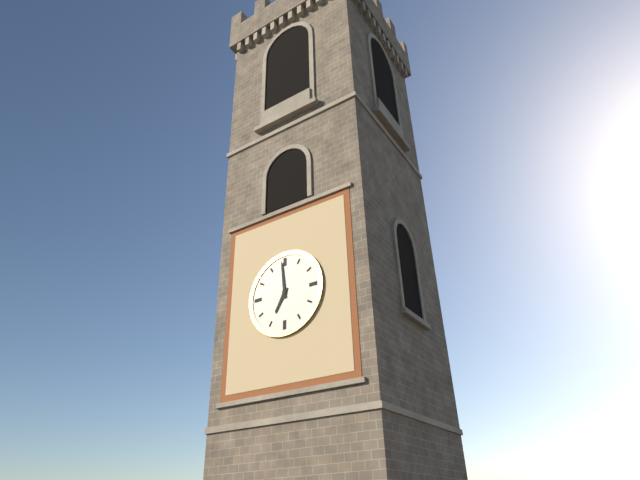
6:59
